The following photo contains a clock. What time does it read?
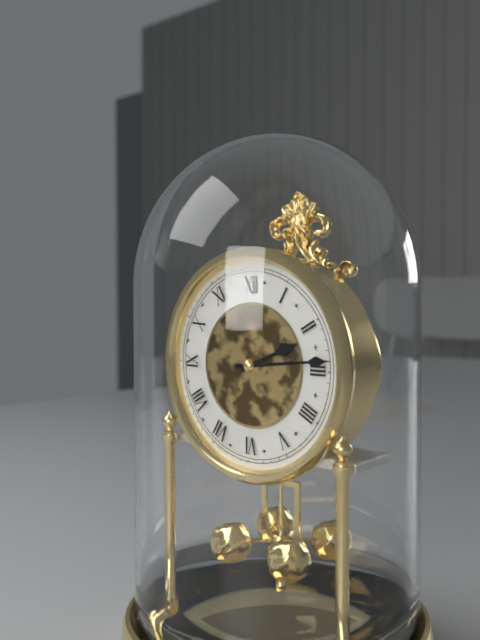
2:14
